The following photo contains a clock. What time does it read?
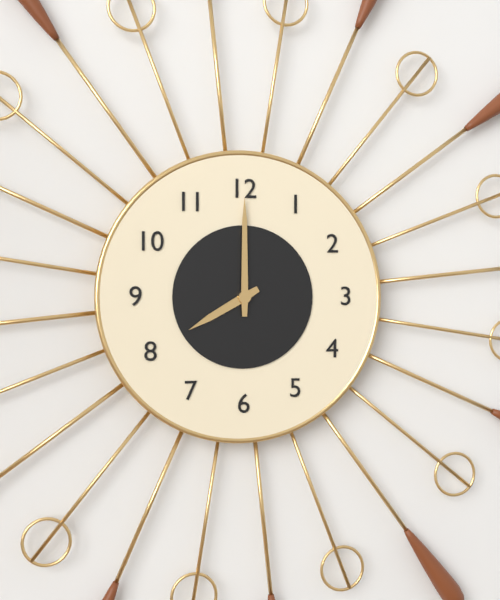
8:00
